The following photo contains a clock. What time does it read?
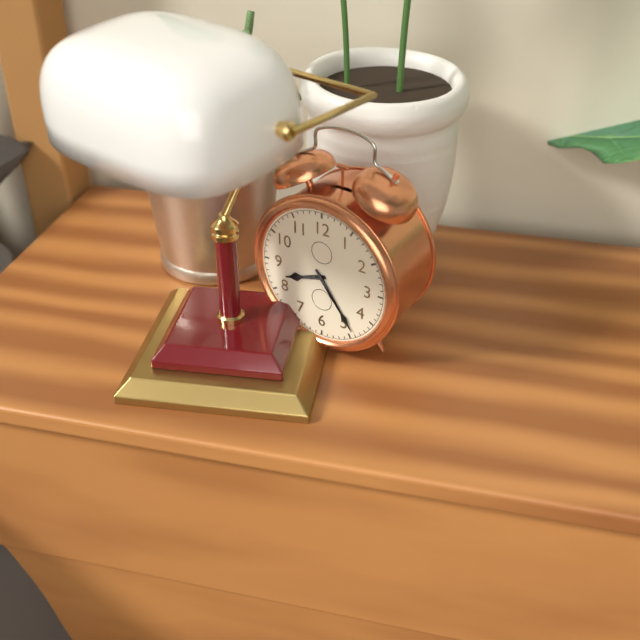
8:24
